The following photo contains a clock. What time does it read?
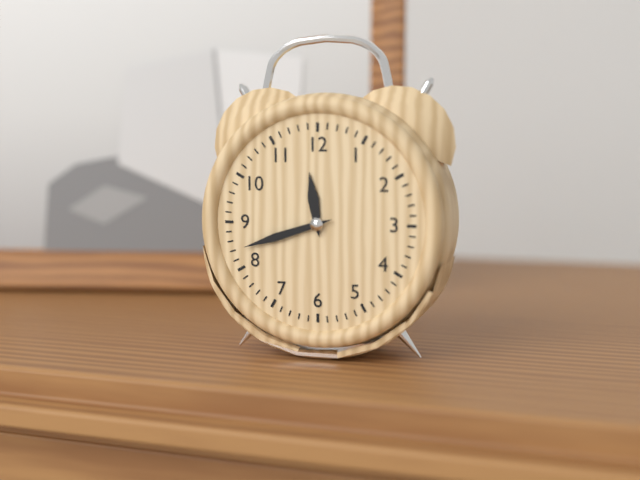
11:42
